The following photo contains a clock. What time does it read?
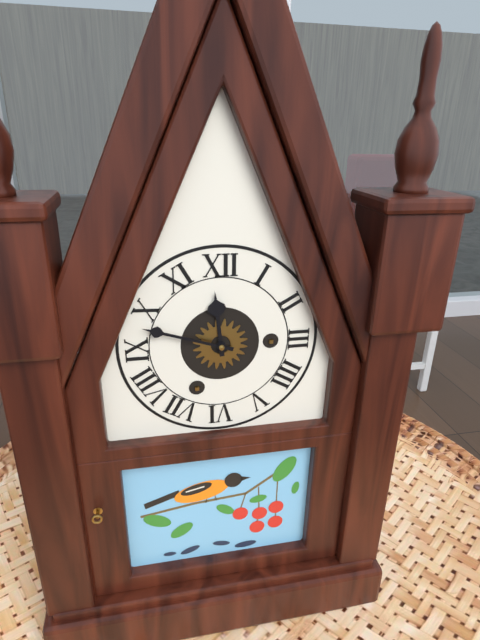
11:48
